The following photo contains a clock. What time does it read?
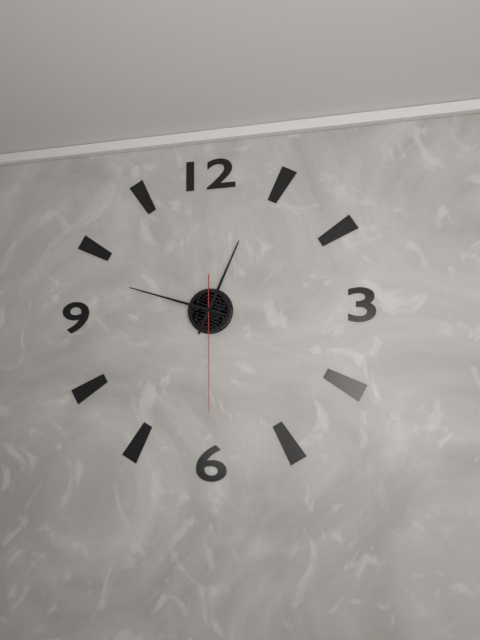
12:48:30
